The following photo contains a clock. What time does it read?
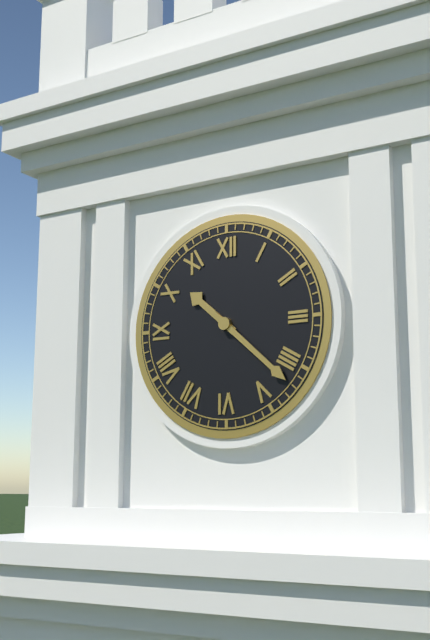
10:22
